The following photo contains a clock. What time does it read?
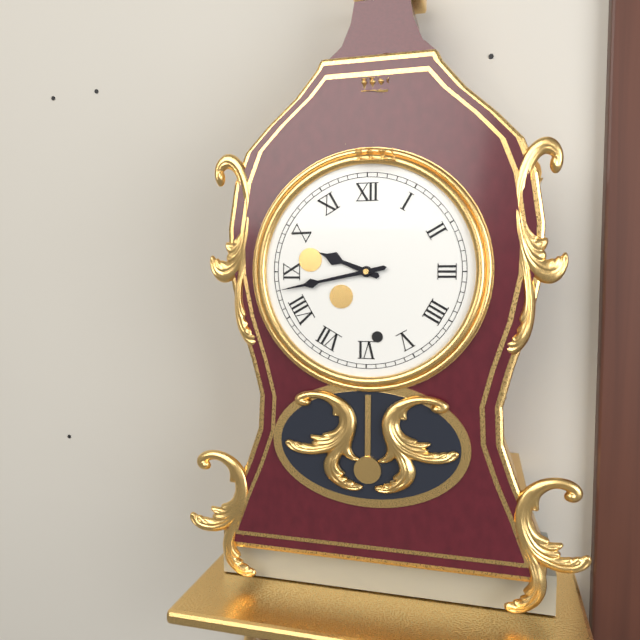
9:43
